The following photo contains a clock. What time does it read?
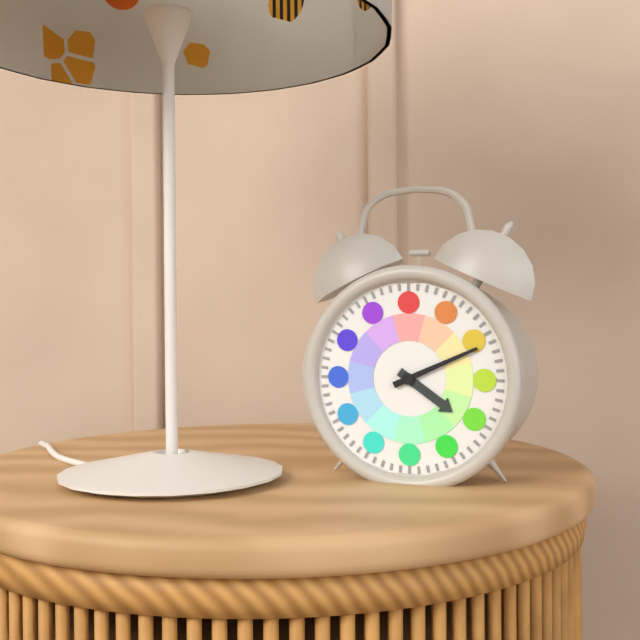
4:11
